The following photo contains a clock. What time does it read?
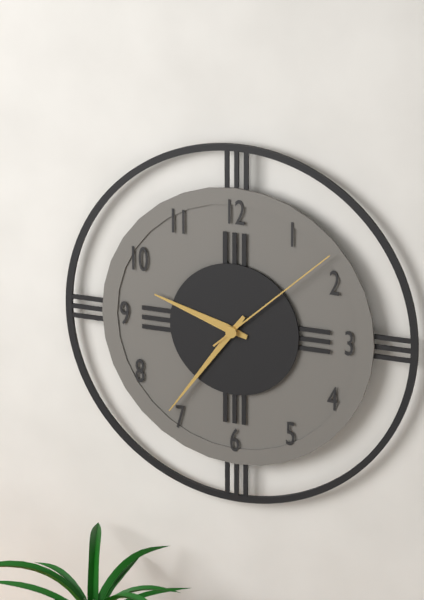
9:36:08
